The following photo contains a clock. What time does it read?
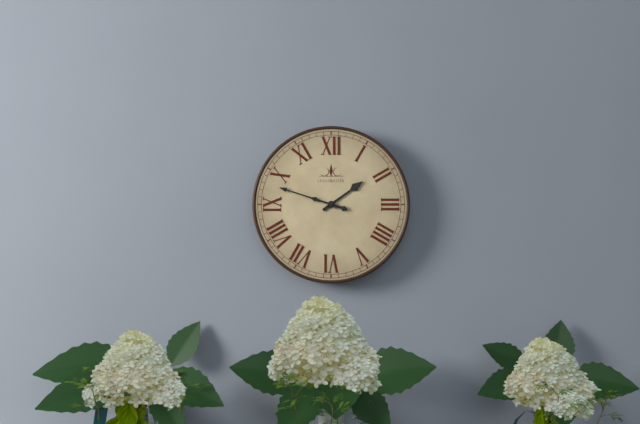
1:48
